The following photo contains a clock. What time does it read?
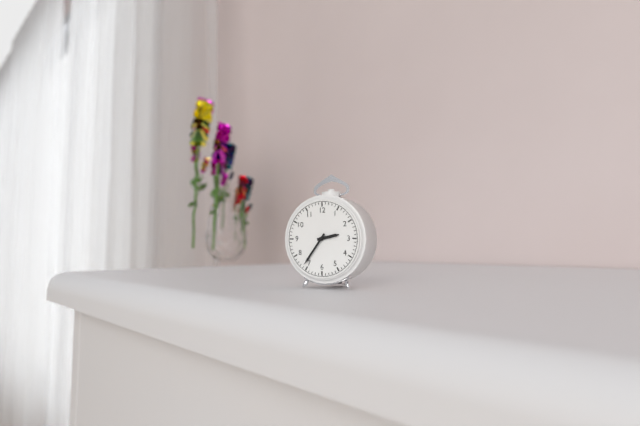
2:36
